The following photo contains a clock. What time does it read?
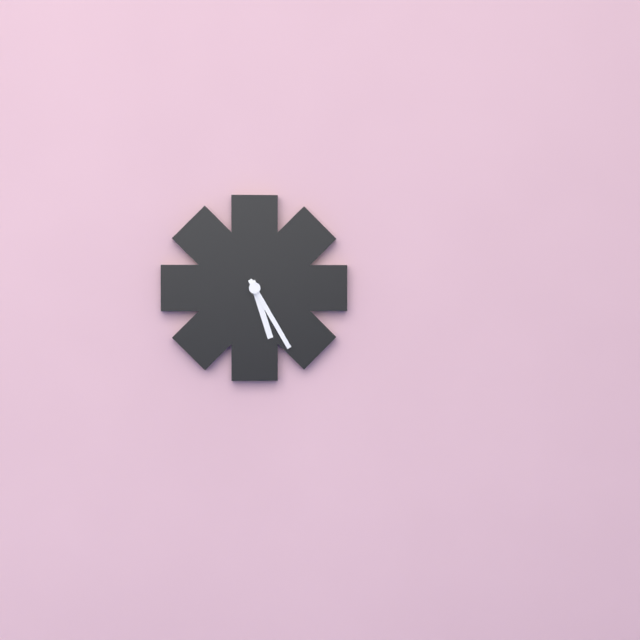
5:25
